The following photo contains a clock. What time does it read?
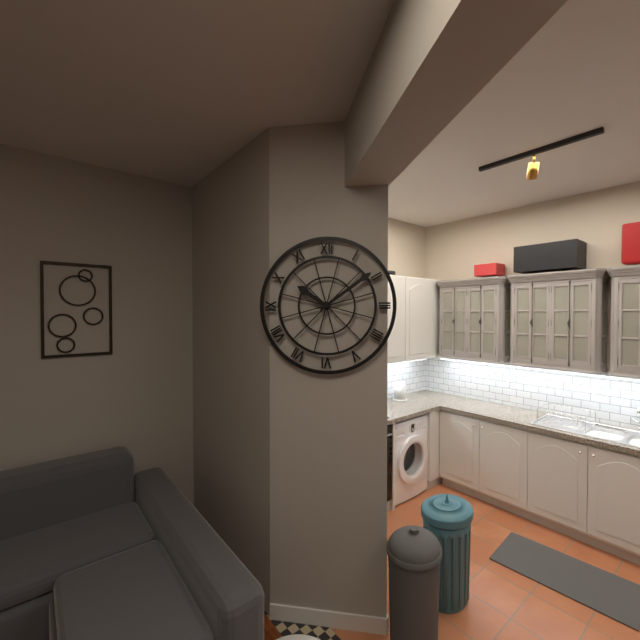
10:09
